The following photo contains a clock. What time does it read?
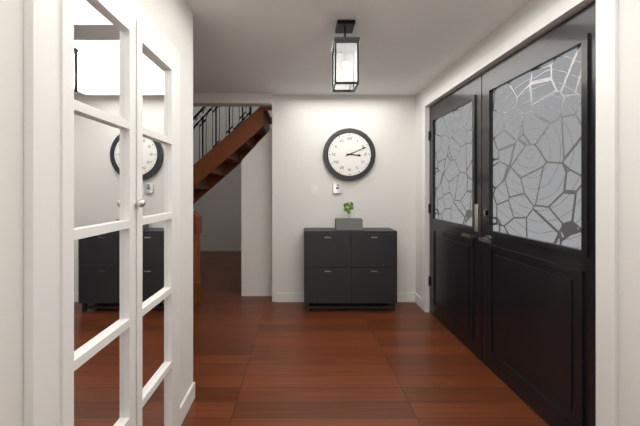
3:11
